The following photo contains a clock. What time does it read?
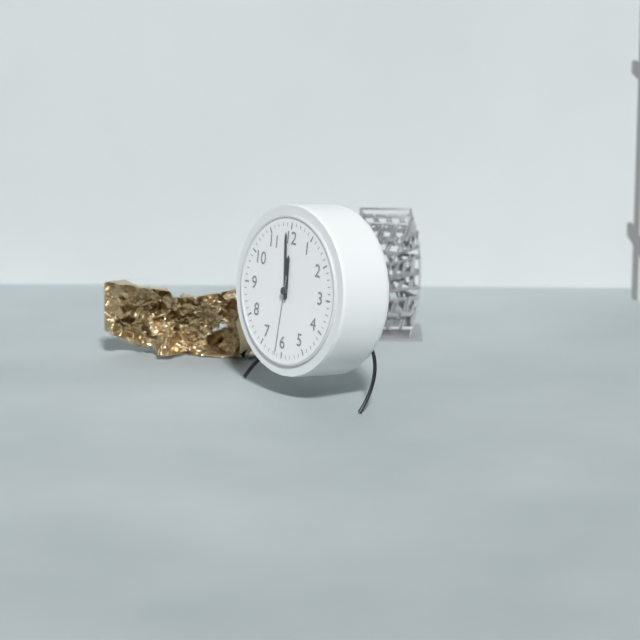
11:59:31
